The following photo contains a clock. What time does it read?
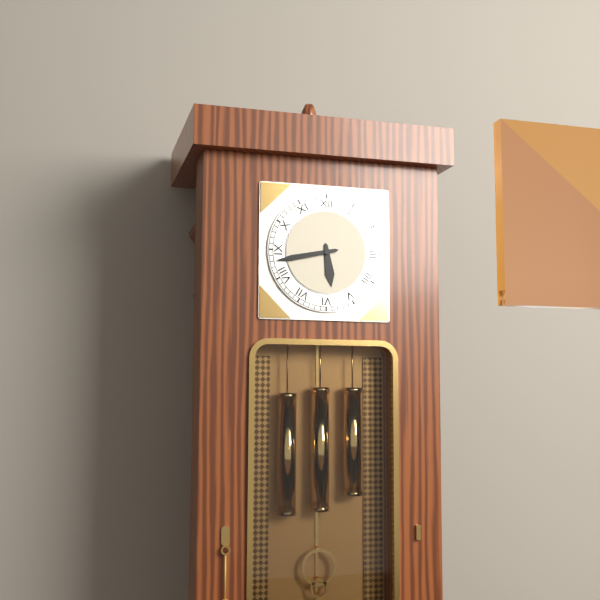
5:43
